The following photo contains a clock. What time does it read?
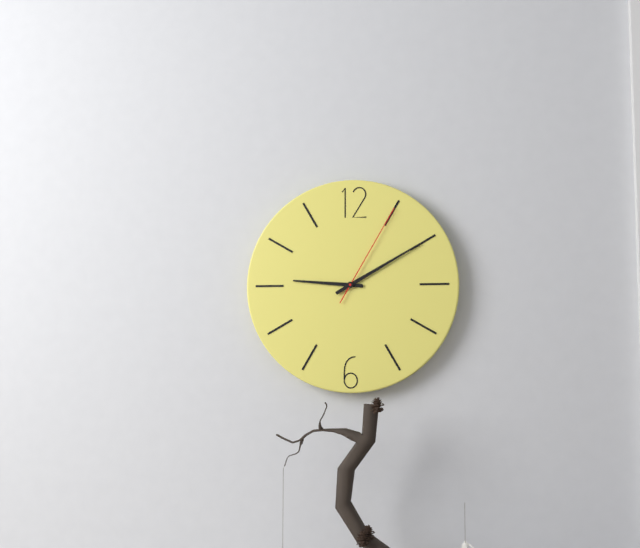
9:10:05
